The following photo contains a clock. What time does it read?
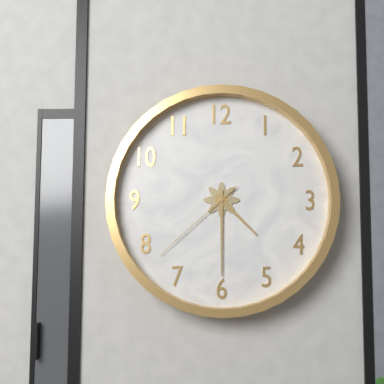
4:30:38
